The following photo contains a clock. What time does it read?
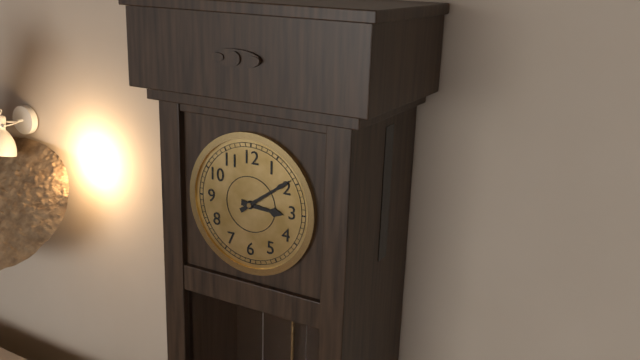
3:09
